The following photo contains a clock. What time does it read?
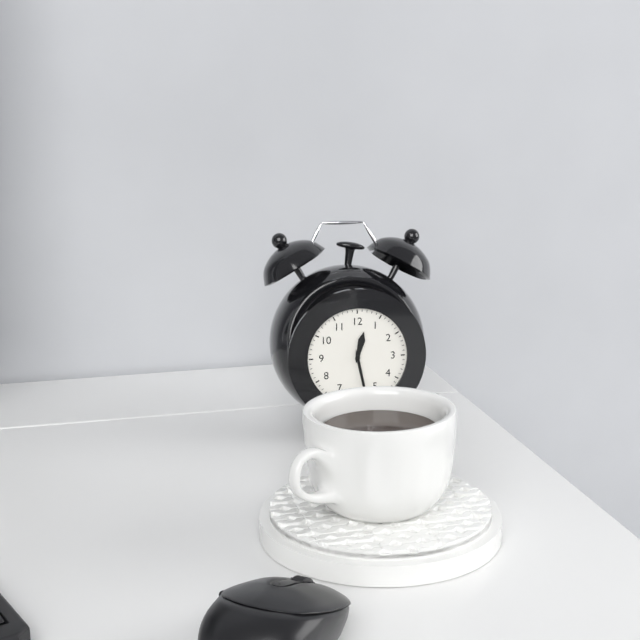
12:28
